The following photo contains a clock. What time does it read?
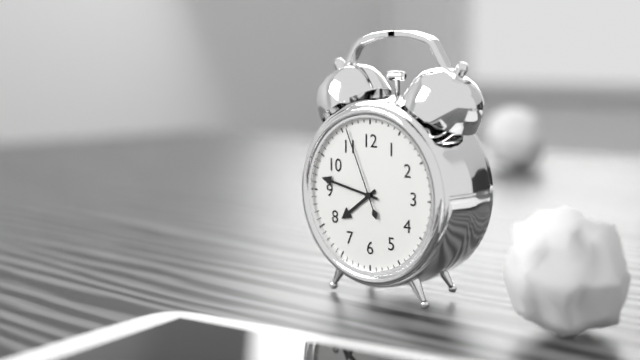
7:47:56
